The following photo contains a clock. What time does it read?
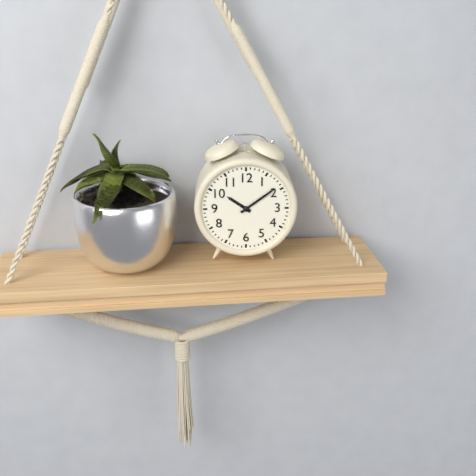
10:09
